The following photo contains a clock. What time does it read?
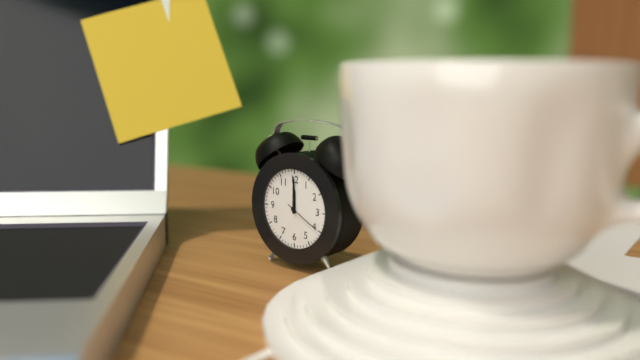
12:00
